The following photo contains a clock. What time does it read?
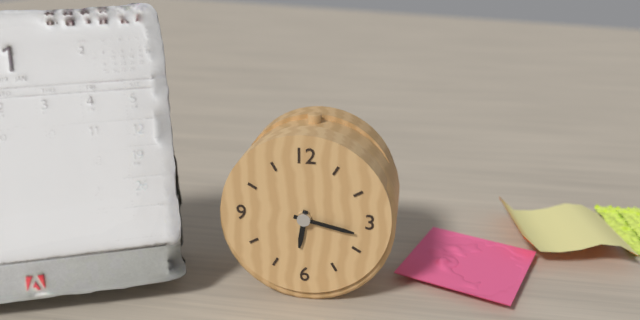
6:17
